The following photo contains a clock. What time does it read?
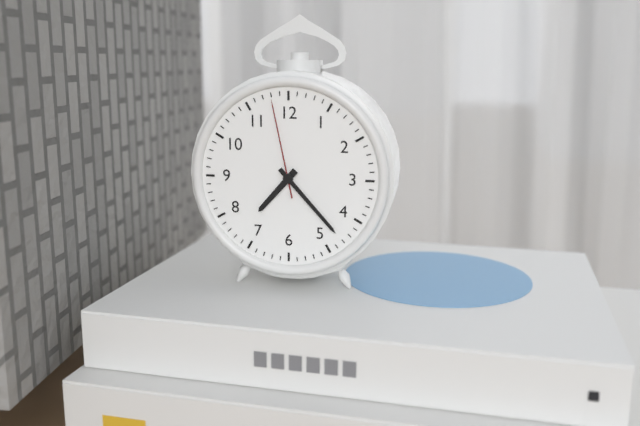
7:23:58
